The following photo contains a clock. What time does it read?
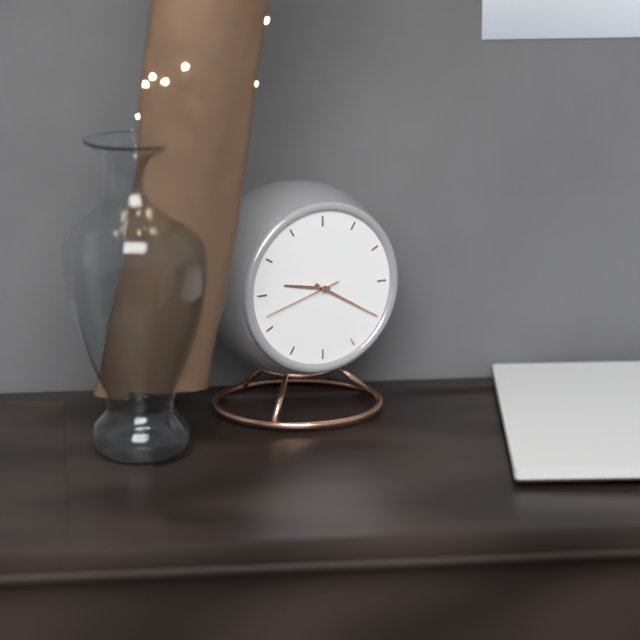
9:20:42
